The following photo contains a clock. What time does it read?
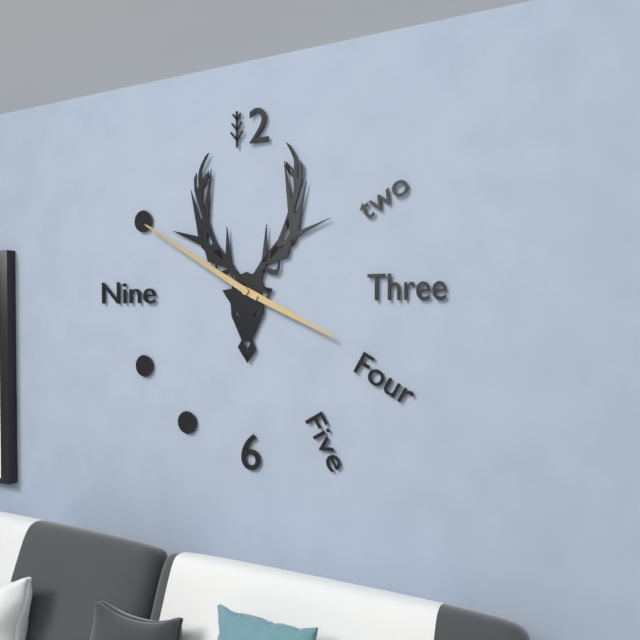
3:50
